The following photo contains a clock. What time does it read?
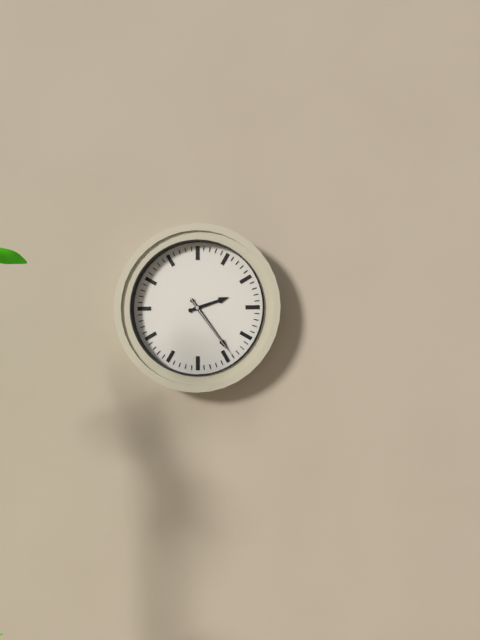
2:24:24
